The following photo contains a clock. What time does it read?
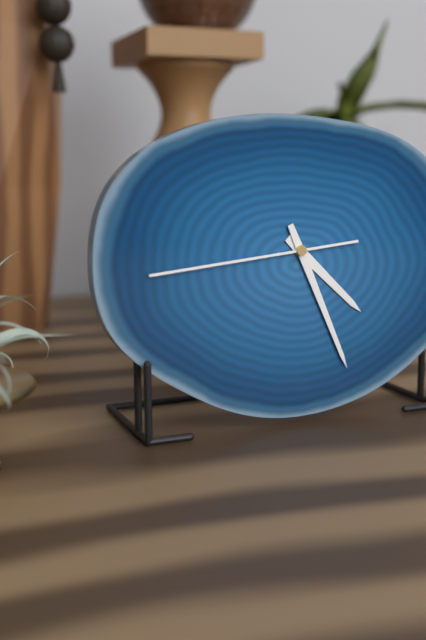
4:26:44
